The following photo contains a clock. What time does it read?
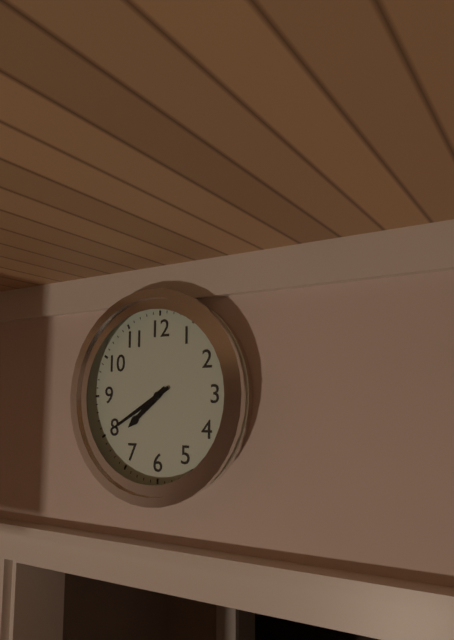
7:40
